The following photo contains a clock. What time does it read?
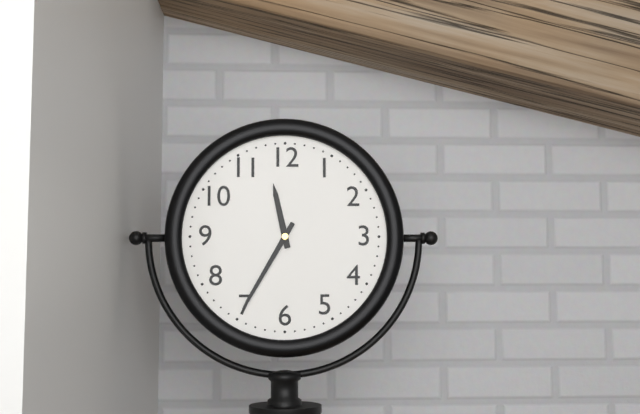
11:35
